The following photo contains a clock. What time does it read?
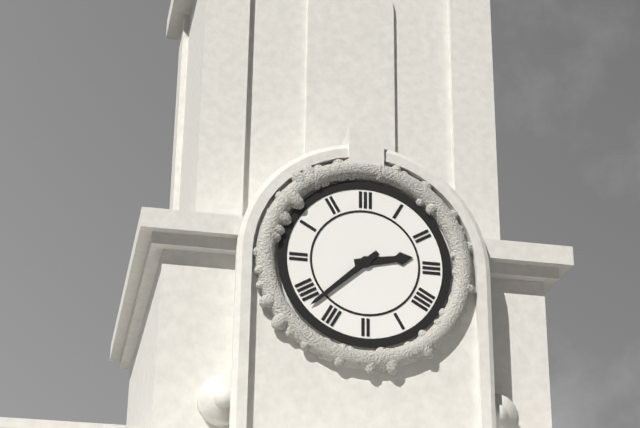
2:38
